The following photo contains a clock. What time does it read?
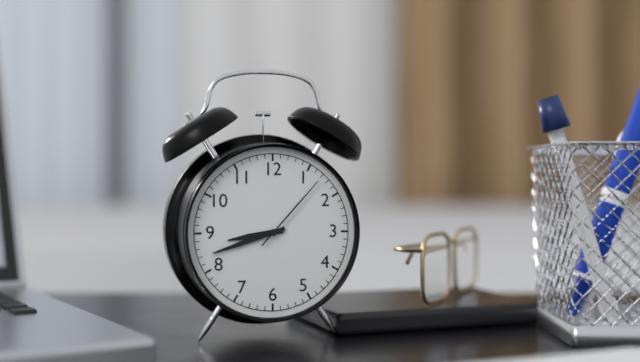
8:42:07
